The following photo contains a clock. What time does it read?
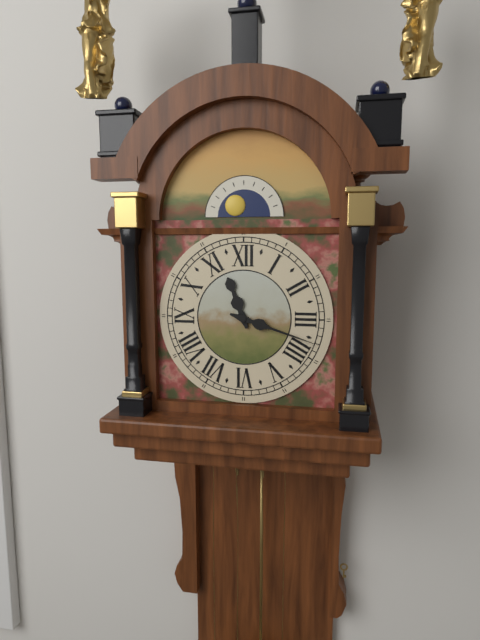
11:18
